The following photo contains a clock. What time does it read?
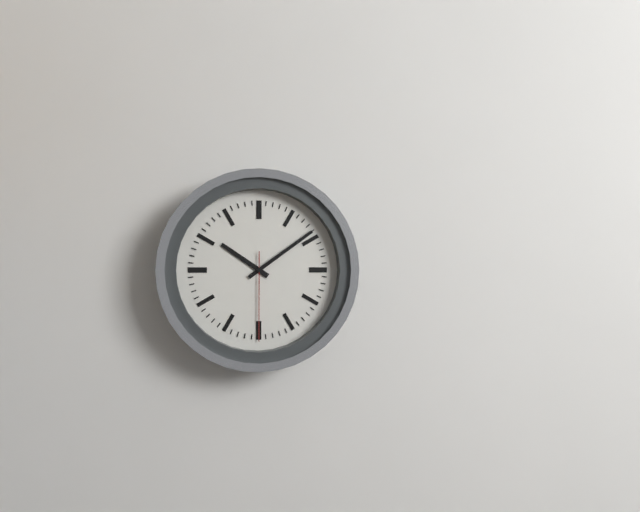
10:09:30
